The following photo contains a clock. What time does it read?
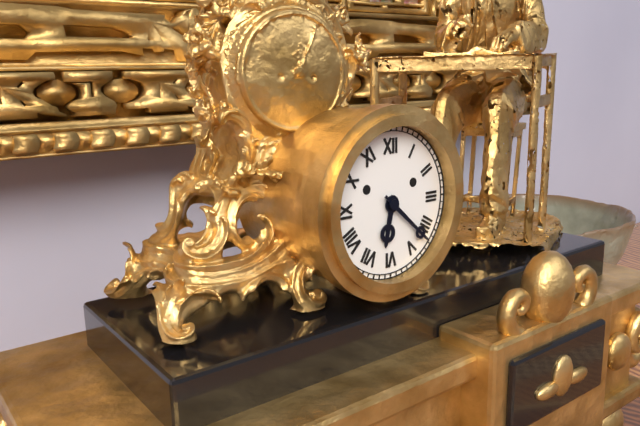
6:22
